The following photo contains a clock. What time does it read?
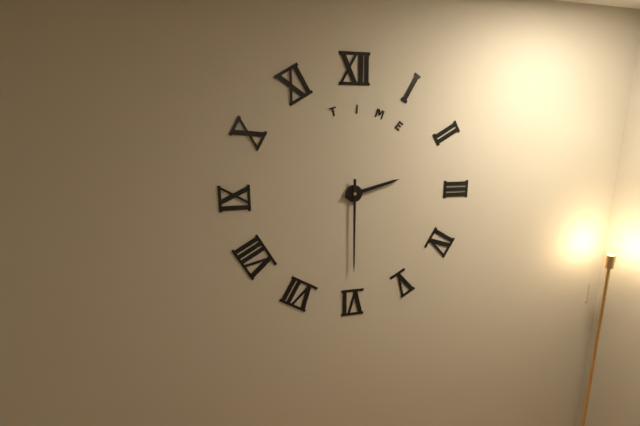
2:30
